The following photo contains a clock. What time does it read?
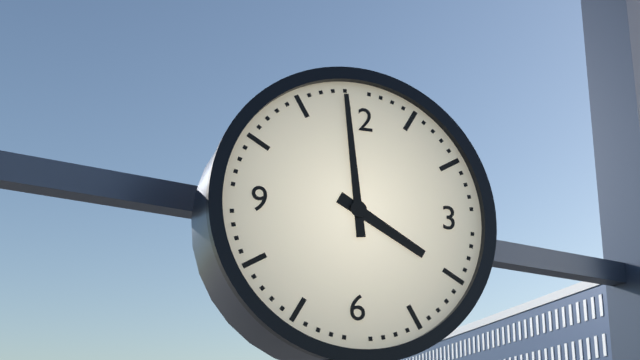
3:59
